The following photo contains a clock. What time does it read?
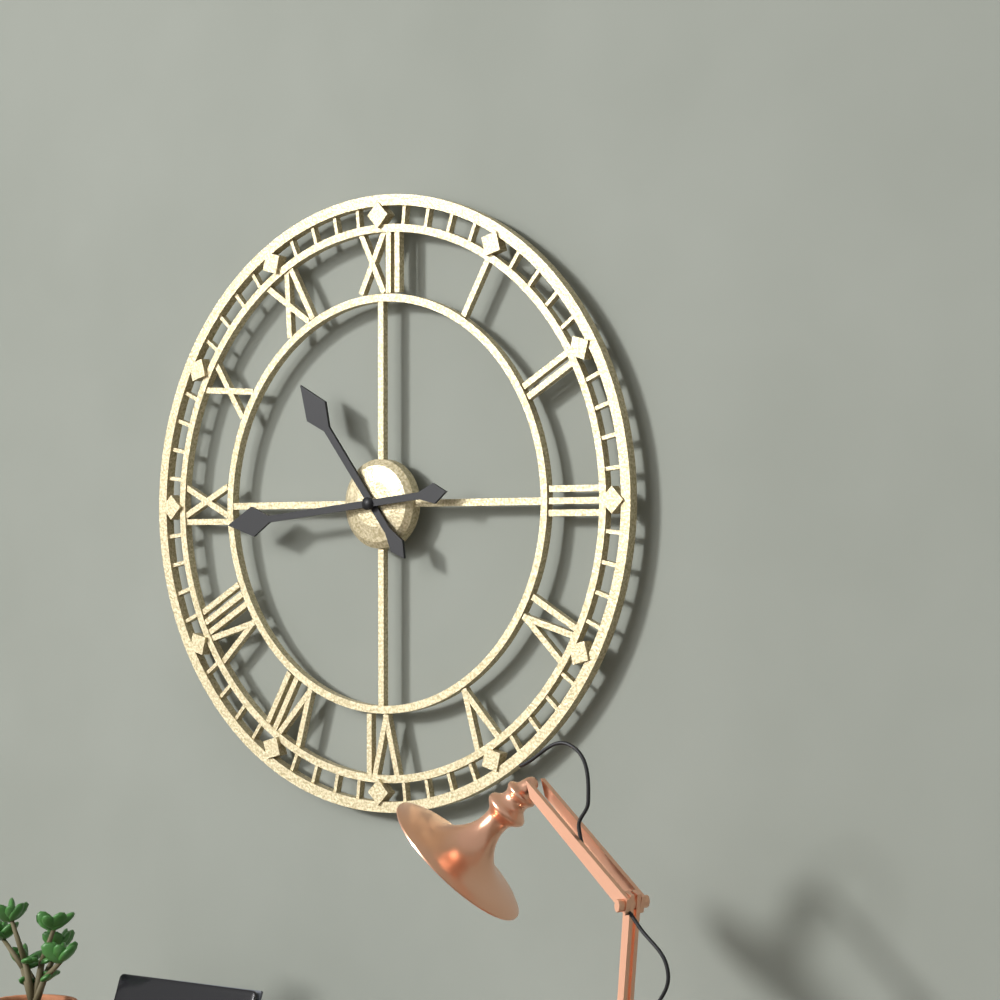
10:44
